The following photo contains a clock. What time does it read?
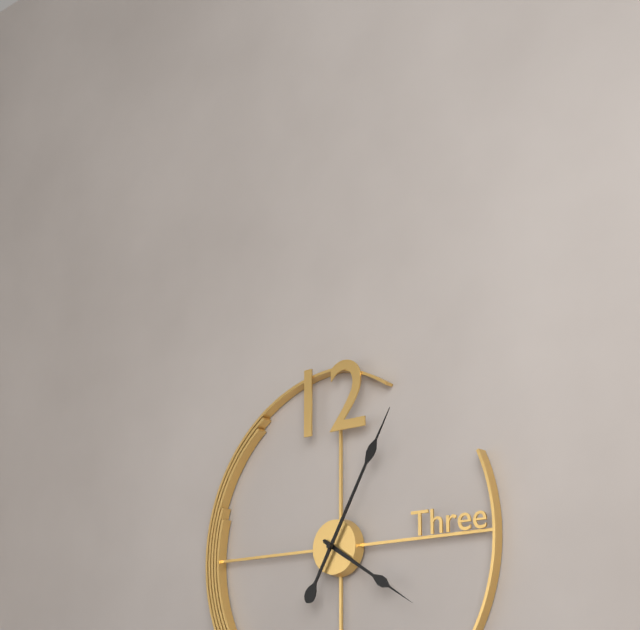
4:05
